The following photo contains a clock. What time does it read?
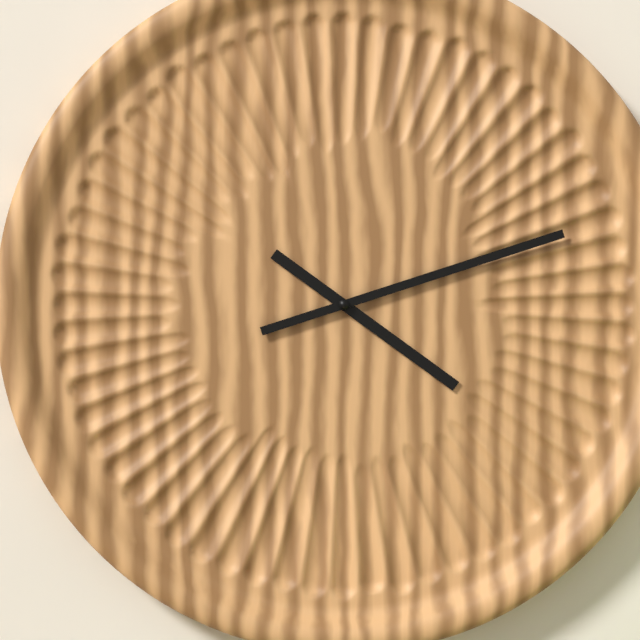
4:12
